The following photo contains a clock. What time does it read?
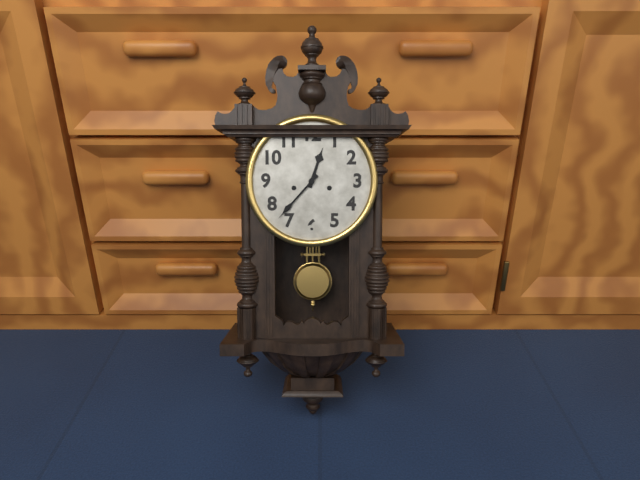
12:37
